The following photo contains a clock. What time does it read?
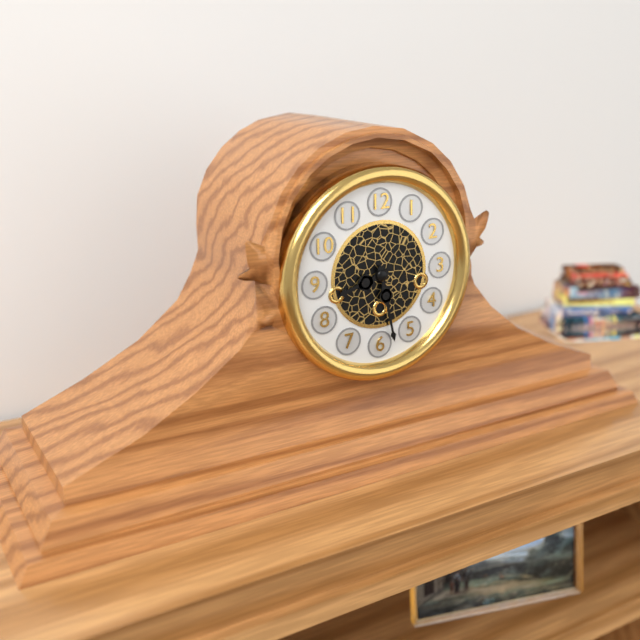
8:28
